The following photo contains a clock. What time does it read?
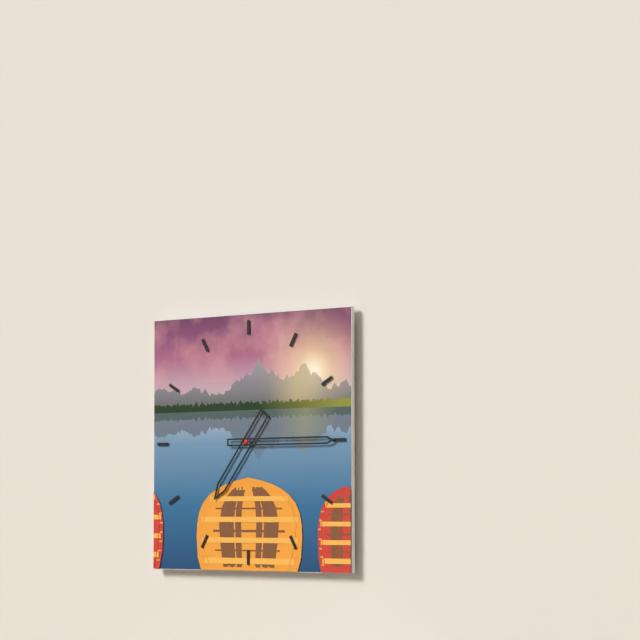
7:15
